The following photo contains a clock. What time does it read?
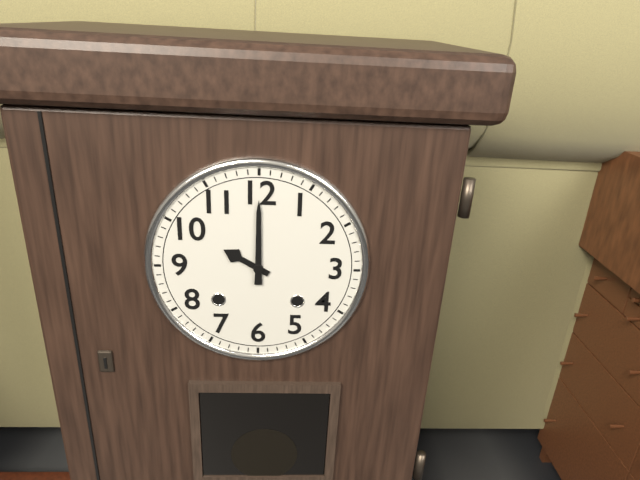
10:00
